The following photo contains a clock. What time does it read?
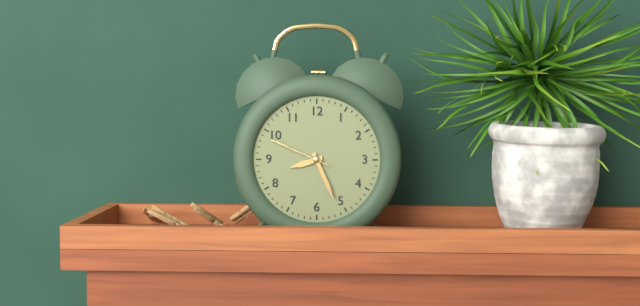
8:26:49
